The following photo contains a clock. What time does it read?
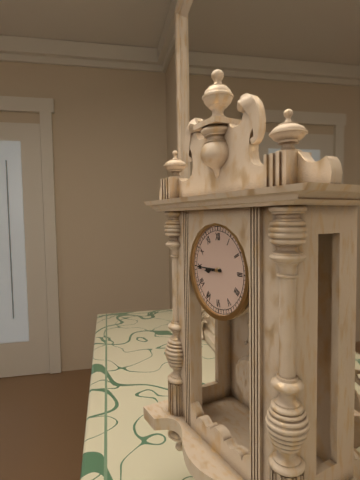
8:45
